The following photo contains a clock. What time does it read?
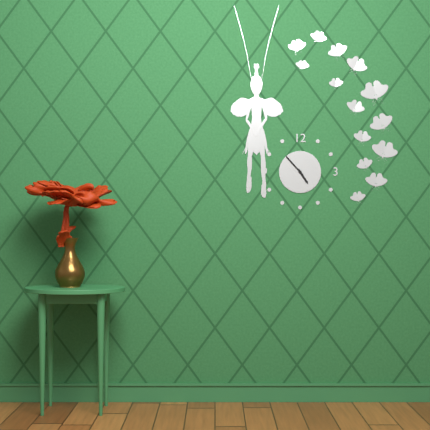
4:53
